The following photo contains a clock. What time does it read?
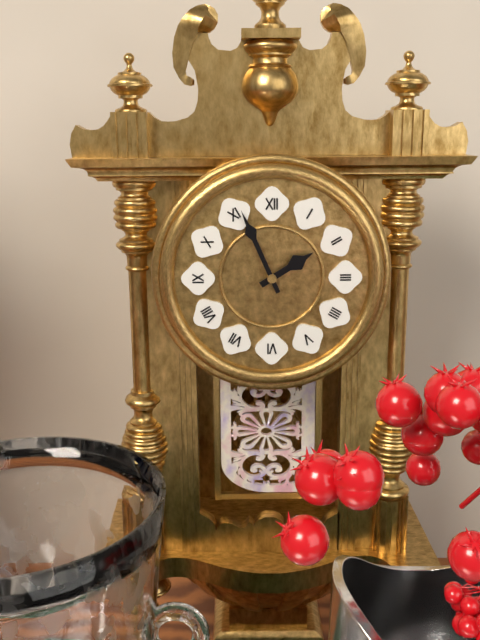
1:56
